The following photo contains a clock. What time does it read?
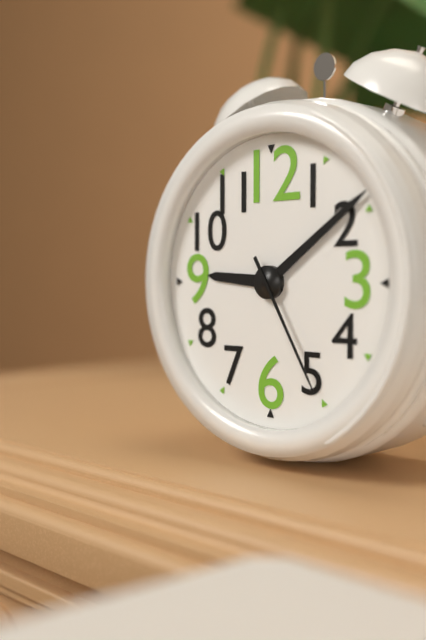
9:09:25
